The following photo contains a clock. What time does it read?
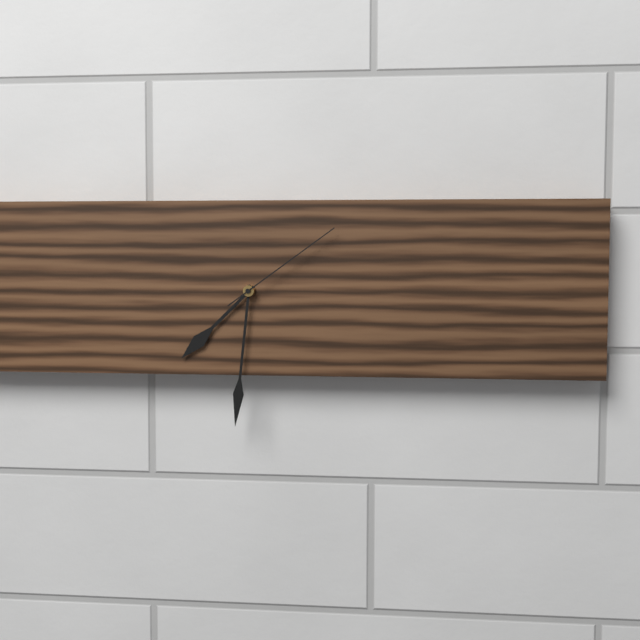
7:31:09
